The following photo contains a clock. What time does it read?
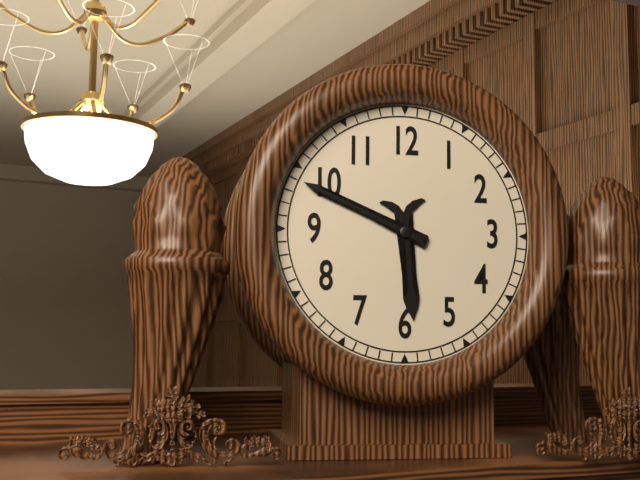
5:49
